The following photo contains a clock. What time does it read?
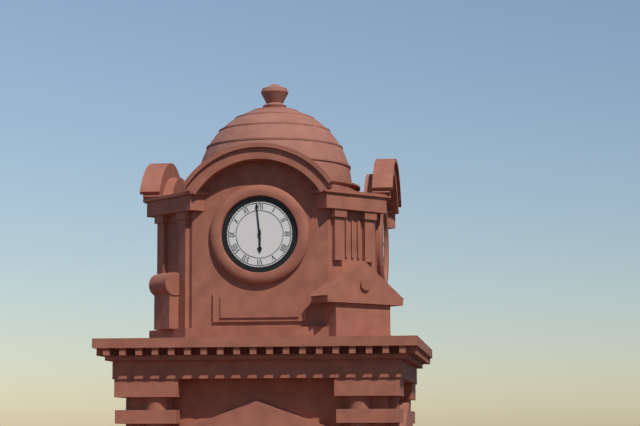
5:59
